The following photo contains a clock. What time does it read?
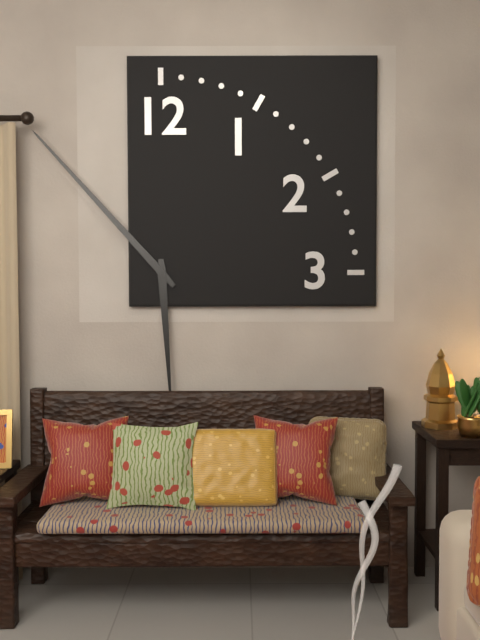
5:53
